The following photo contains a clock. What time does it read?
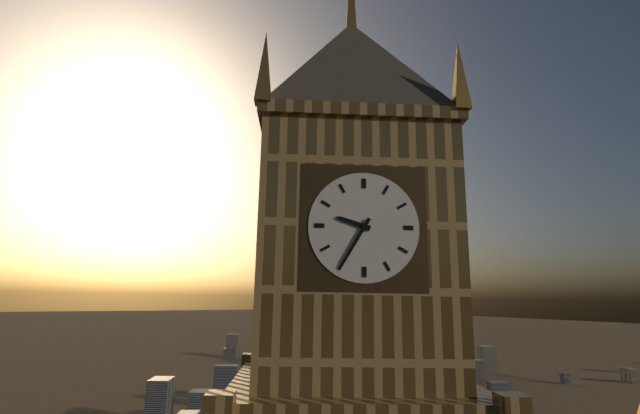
9:35
